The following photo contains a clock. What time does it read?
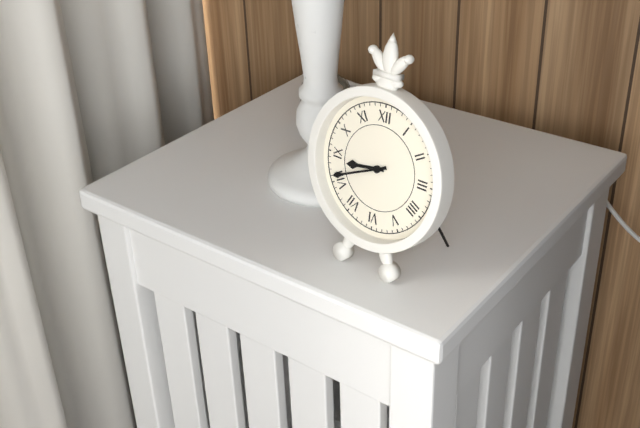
8:41
